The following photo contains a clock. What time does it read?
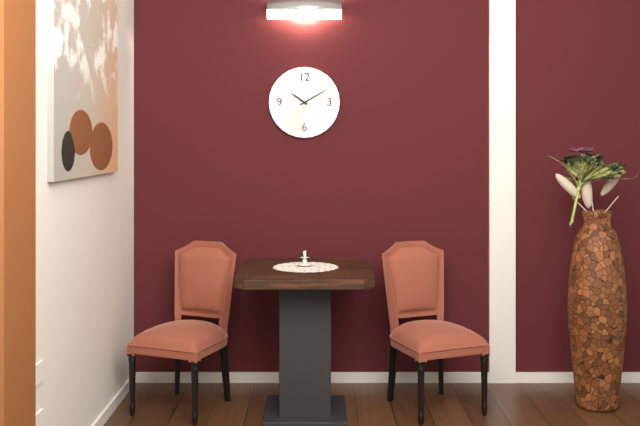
10:10
